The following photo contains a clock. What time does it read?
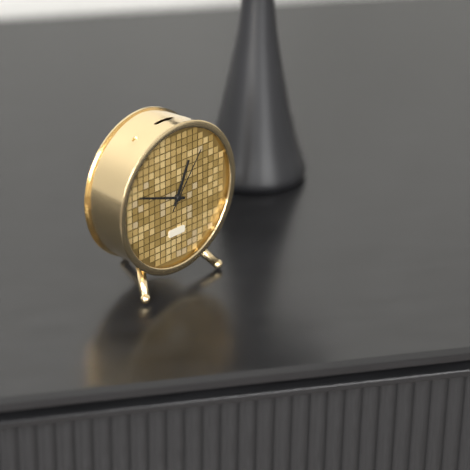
12:48:06
